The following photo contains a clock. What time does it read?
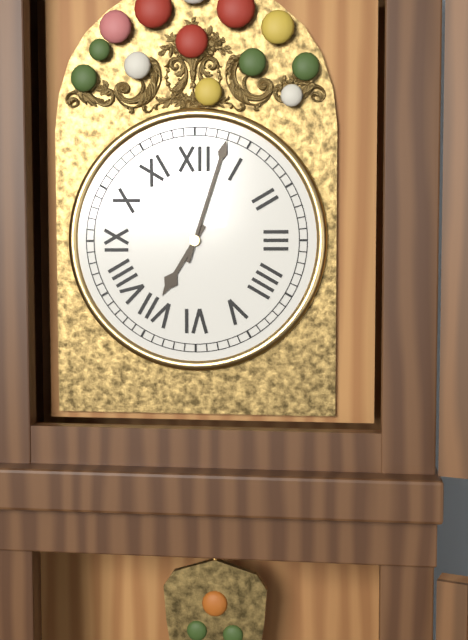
7:03
